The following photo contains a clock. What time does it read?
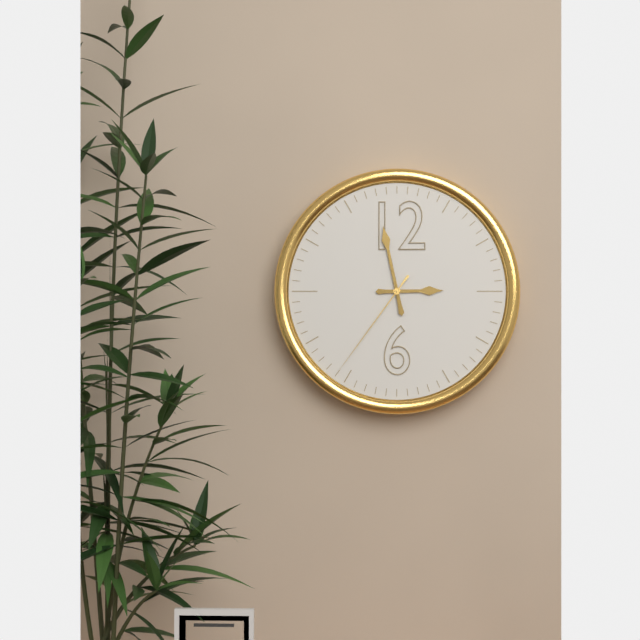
2:58:36
